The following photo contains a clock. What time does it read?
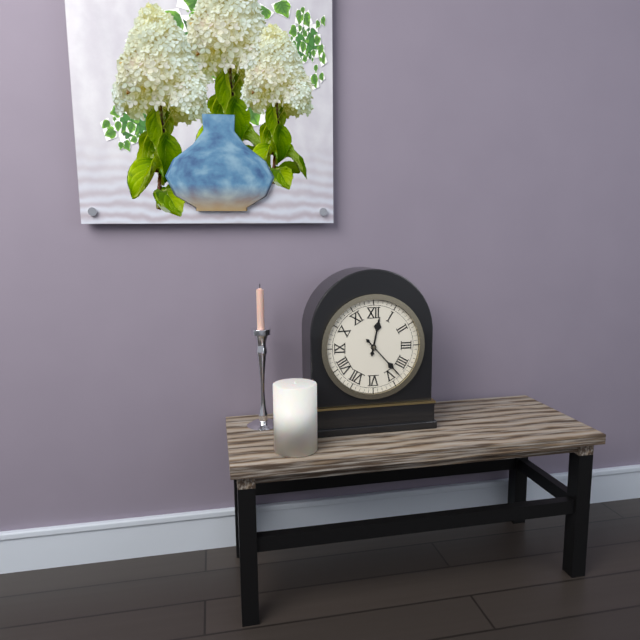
12:23
